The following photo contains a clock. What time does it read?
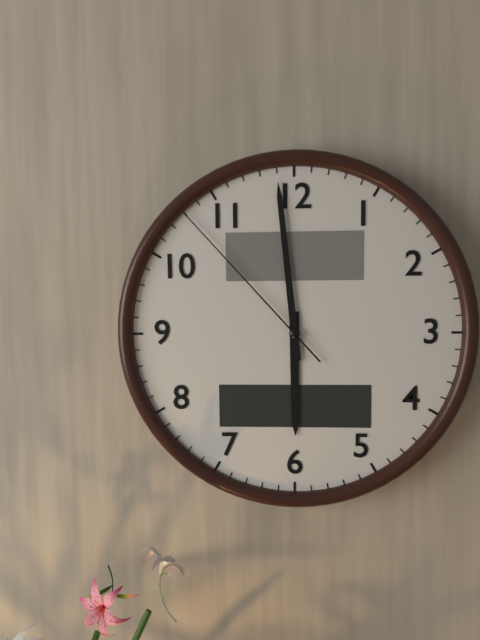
5:59:53
